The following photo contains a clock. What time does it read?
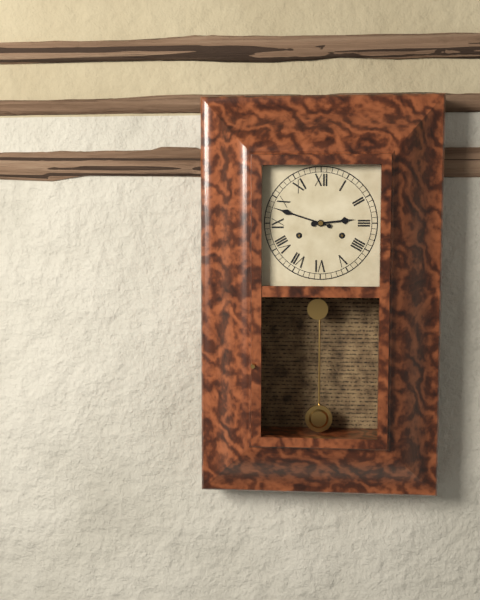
2:48
